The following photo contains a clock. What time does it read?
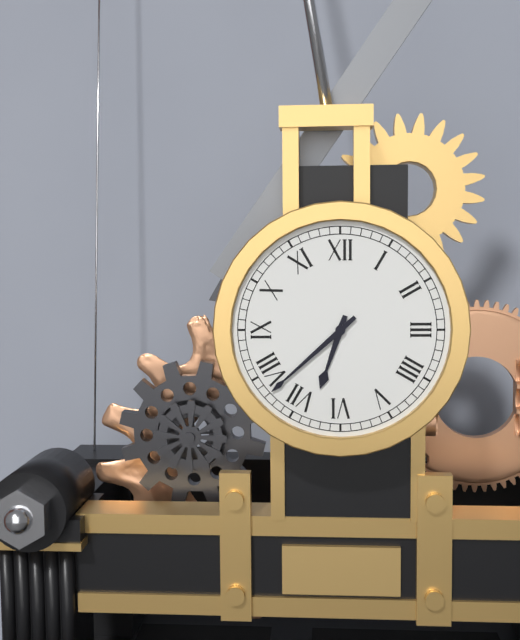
6:38
